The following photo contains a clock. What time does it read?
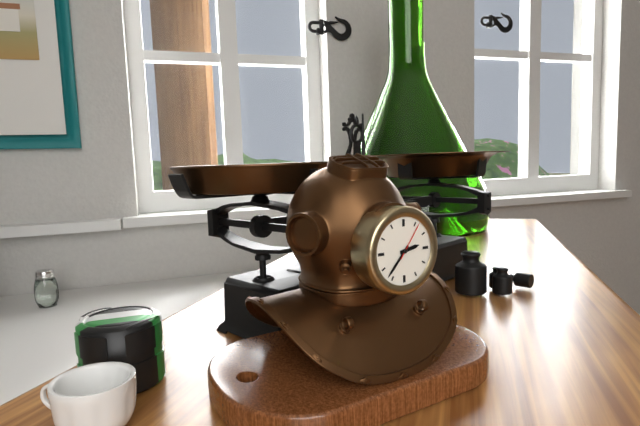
2:37
